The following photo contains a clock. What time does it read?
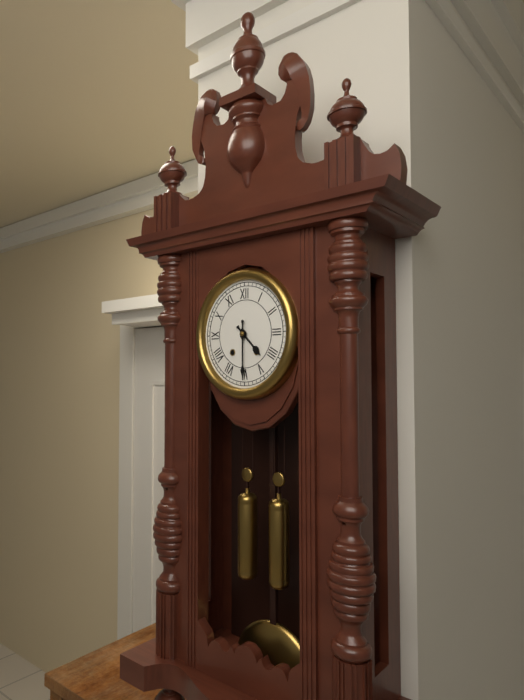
4:30
